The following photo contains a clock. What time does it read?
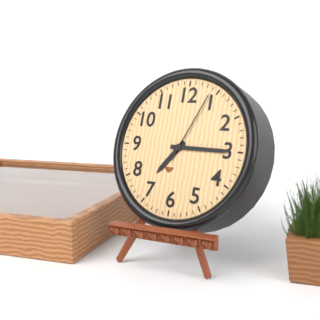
7:15:04
